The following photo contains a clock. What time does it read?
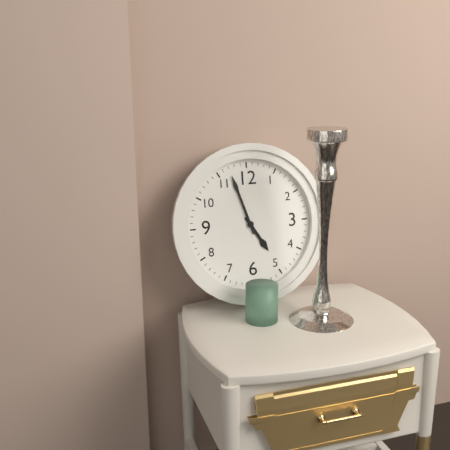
4:57
